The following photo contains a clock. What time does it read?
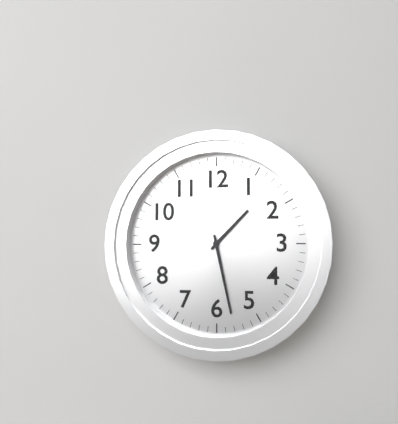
1:28
